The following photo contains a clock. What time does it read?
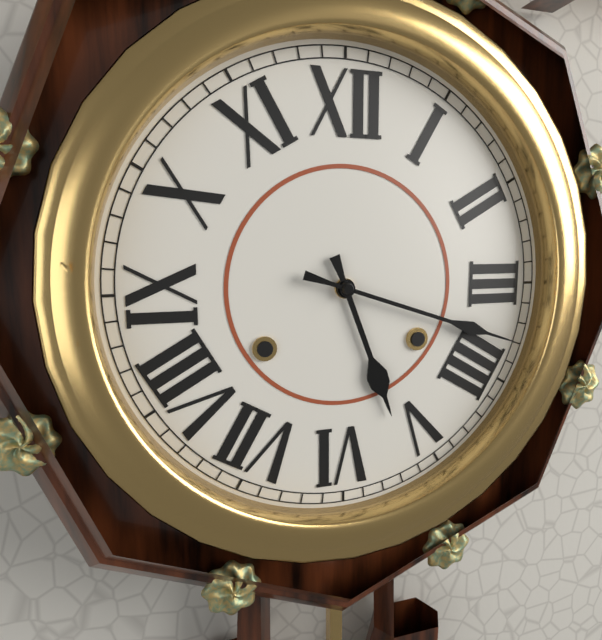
5:18
